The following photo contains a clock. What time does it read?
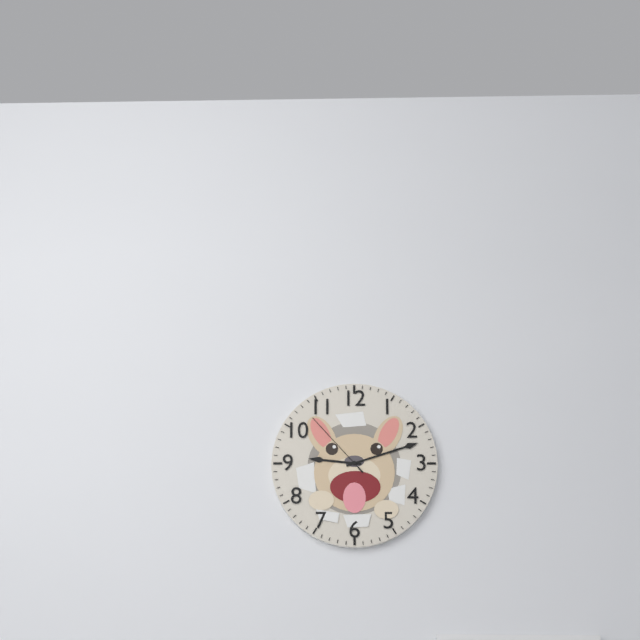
9:12:53
